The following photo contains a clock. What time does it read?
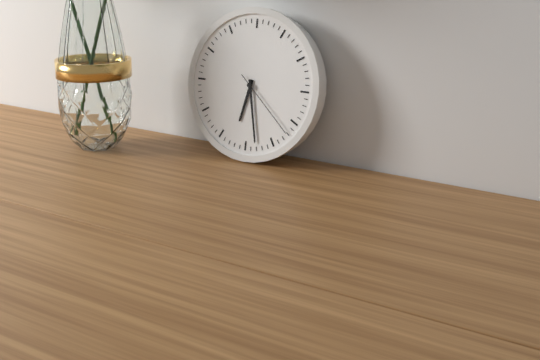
6:28:22
